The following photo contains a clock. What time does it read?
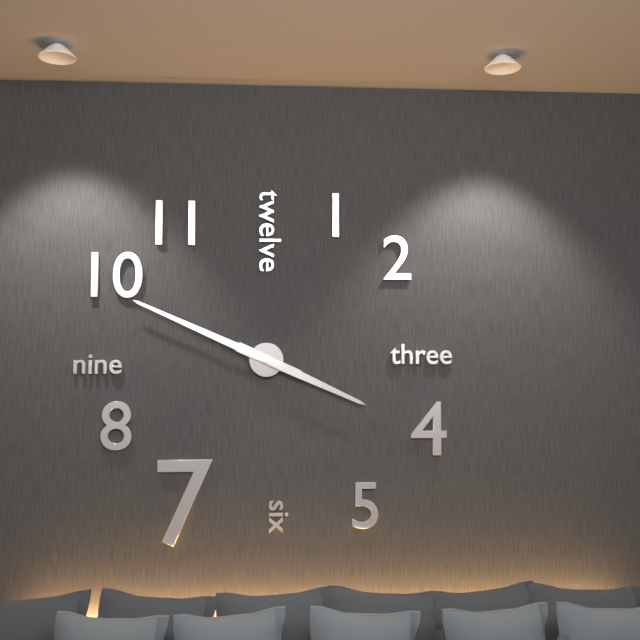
3:49
